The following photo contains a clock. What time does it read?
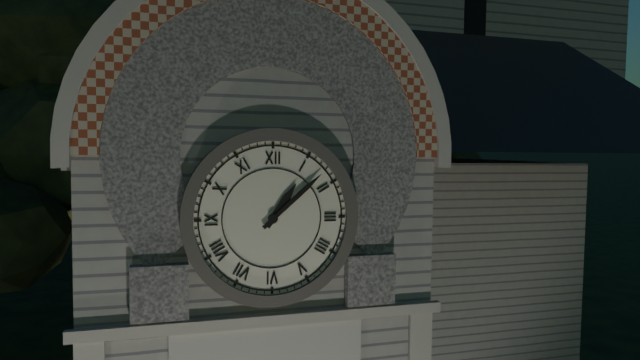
1:08
